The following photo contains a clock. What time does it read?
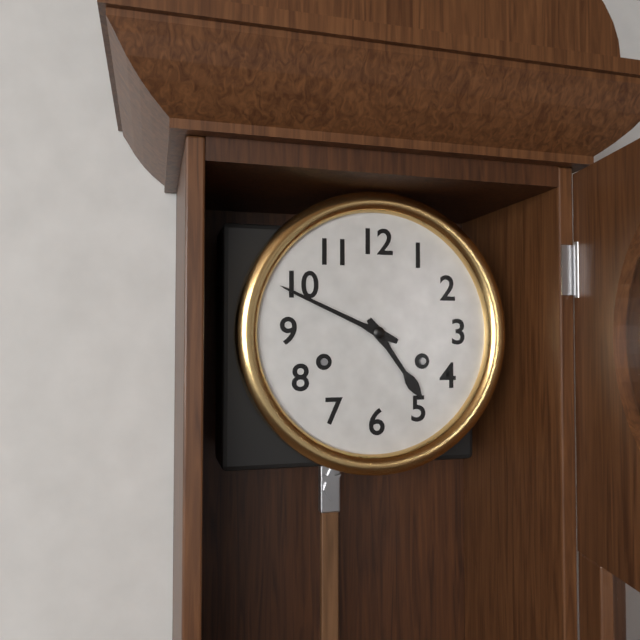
4:49
